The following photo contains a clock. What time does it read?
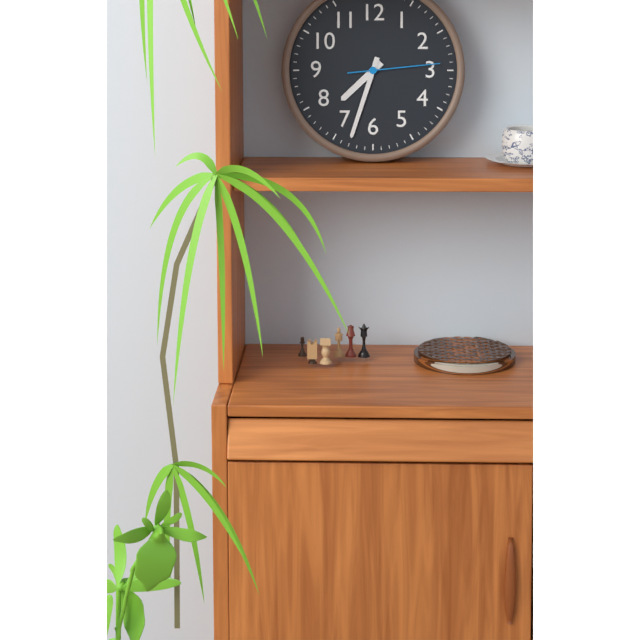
7:33:14
